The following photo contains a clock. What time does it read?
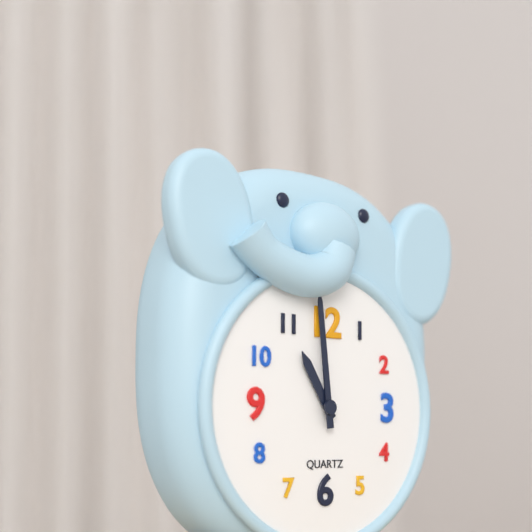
10:59
